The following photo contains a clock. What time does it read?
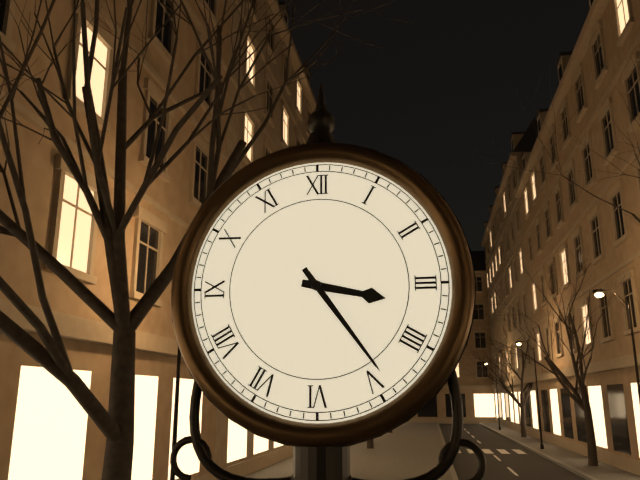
3:24
